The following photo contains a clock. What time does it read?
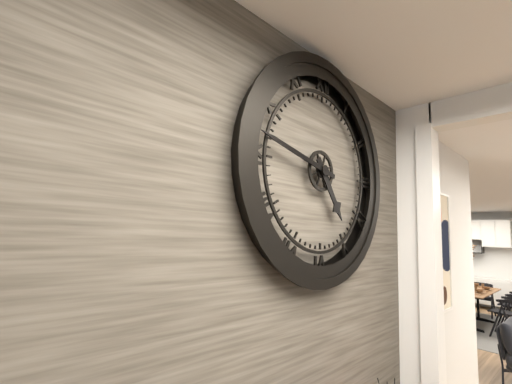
4:47
